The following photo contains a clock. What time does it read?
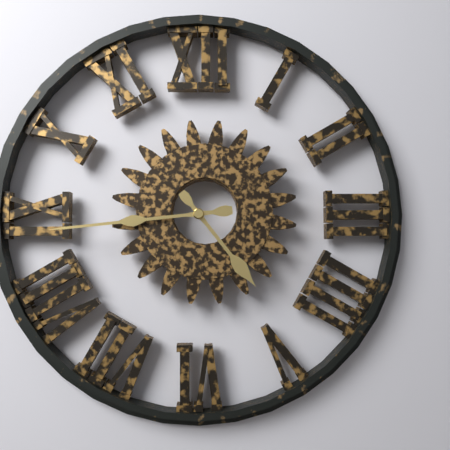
4:44
